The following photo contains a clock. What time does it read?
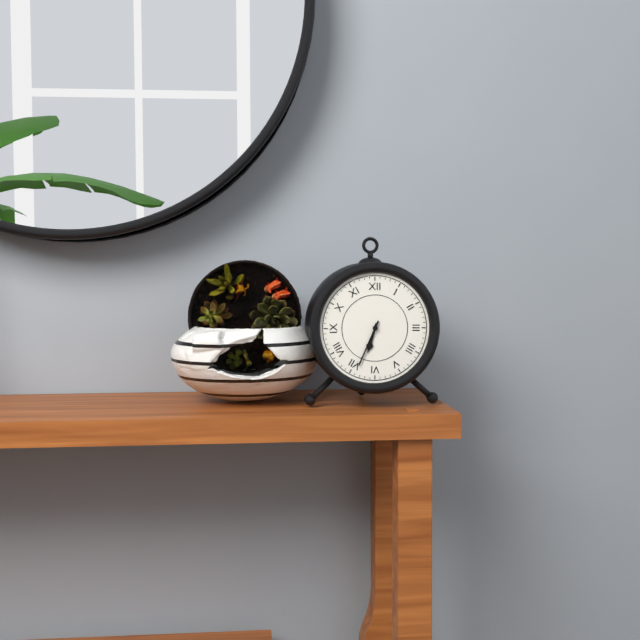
6:34
